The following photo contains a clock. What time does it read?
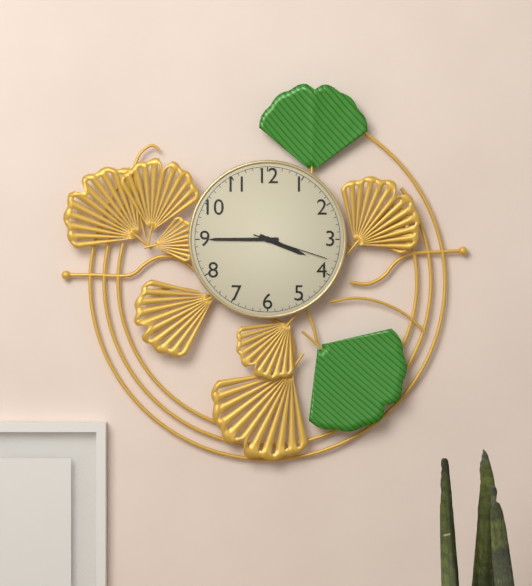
3:45:18
